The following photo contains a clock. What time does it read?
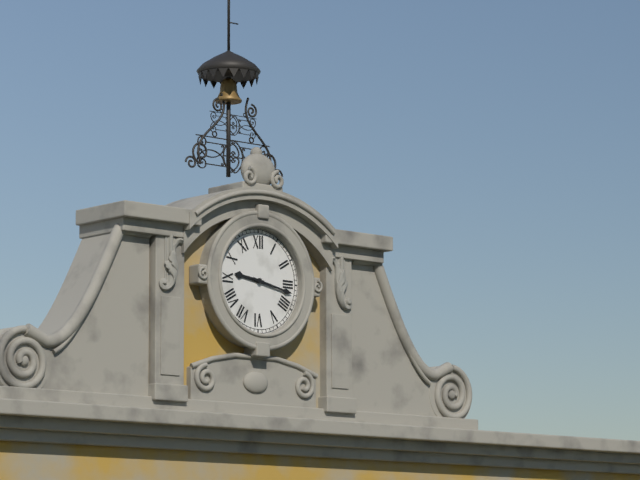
9:17
